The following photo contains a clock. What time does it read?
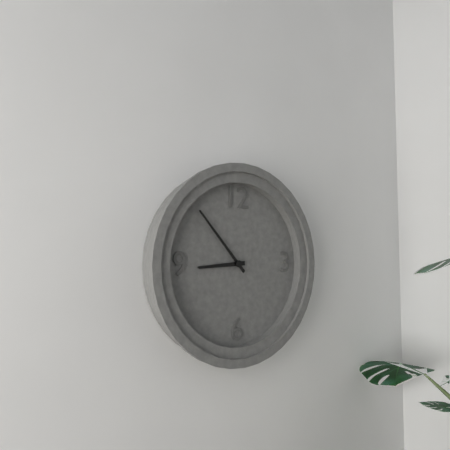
8:53
